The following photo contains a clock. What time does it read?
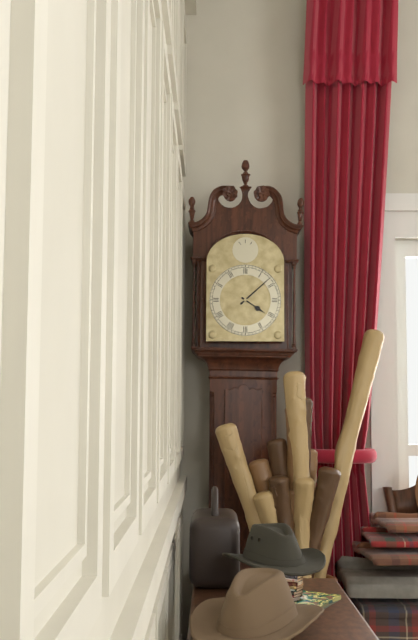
4:08
